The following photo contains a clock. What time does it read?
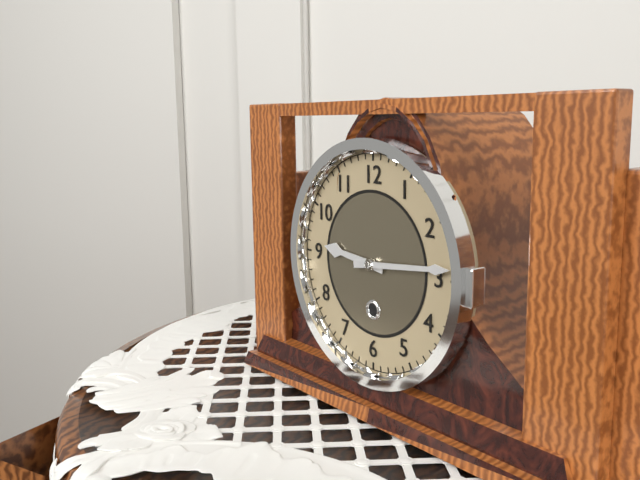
9:14
